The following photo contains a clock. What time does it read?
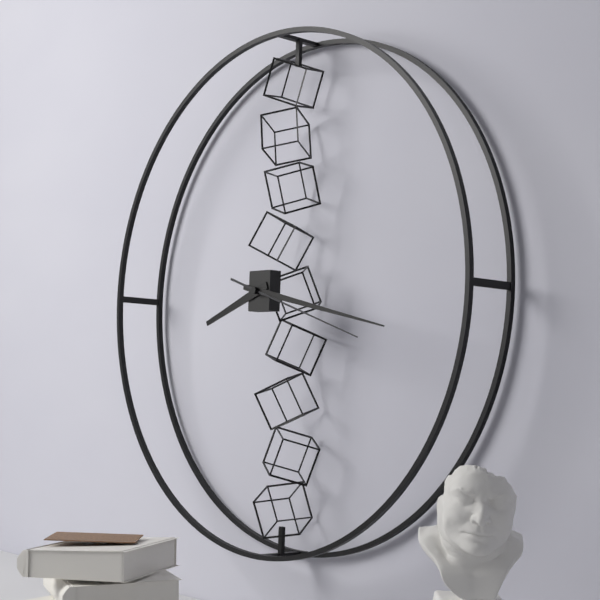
8:17:18
